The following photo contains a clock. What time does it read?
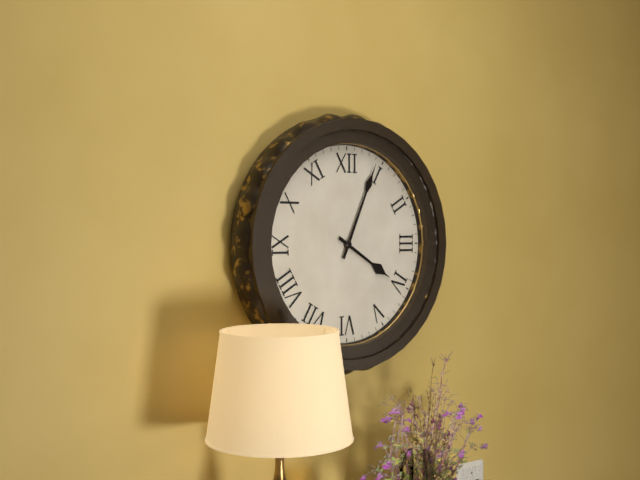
4:04
